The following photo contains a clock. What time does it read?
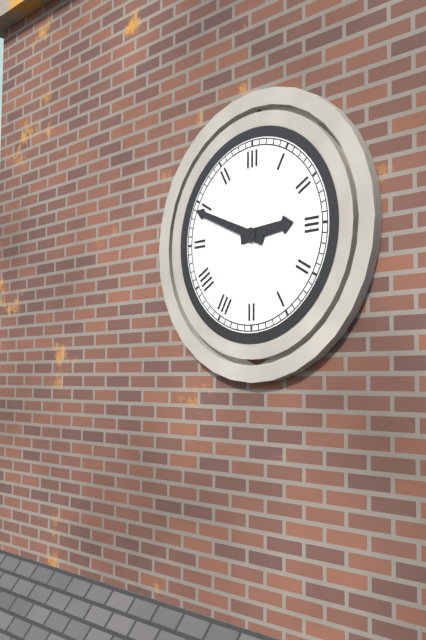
2:49
